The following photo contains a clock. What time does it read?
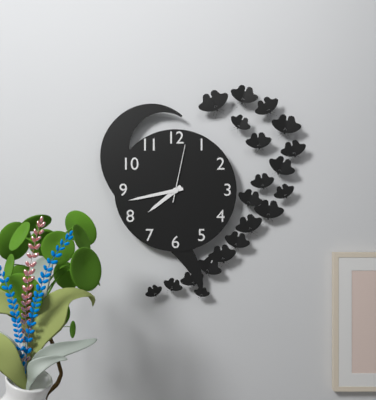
7:43:02
